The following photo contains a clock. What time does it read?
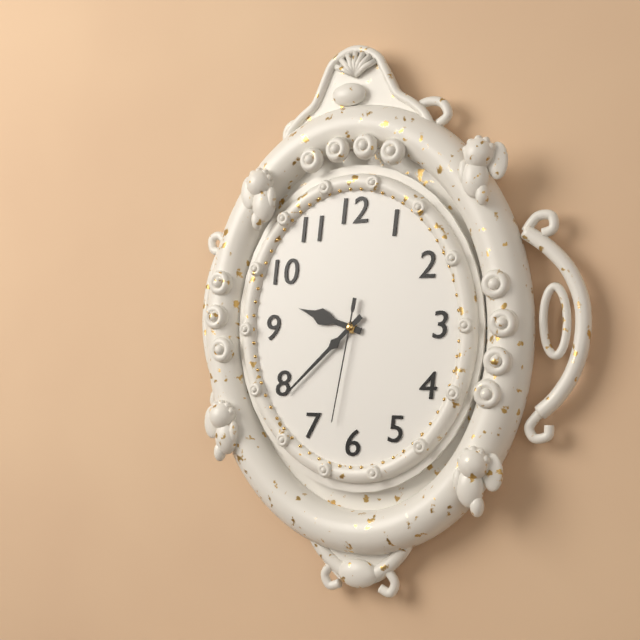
9:38:32
